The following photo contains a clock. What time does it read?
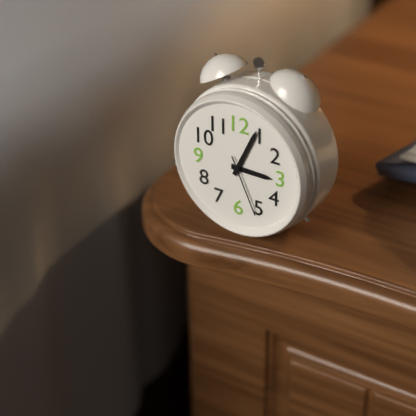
3:04:26
